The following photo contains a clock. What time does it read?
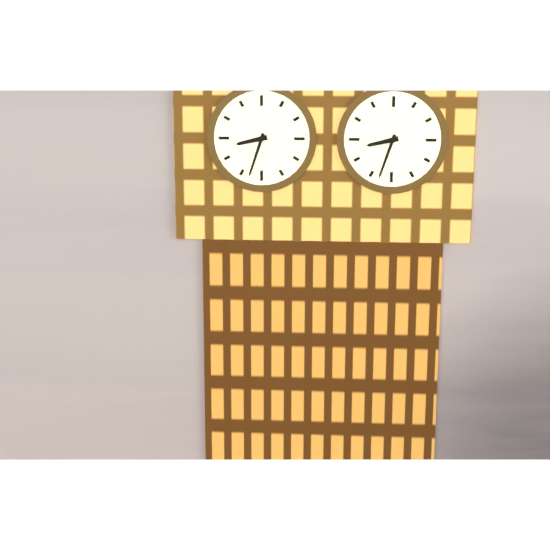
8:33
